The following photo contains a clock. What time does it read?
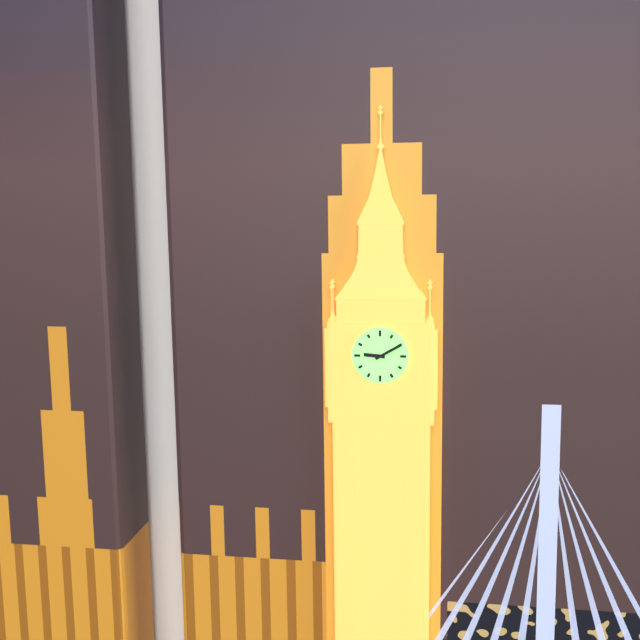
9:10
